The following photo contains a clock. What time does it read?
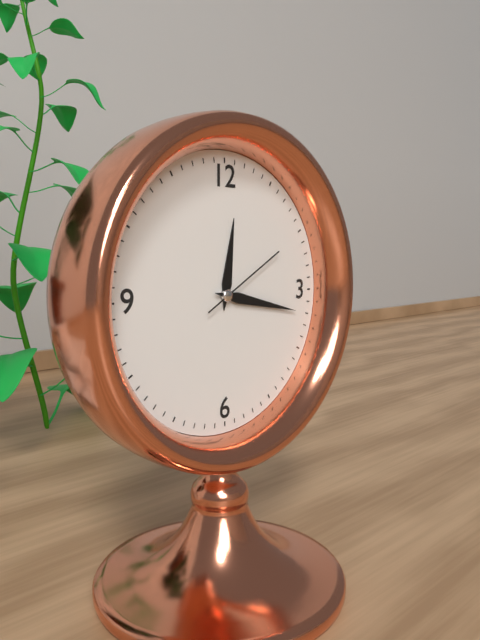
12:17:10
